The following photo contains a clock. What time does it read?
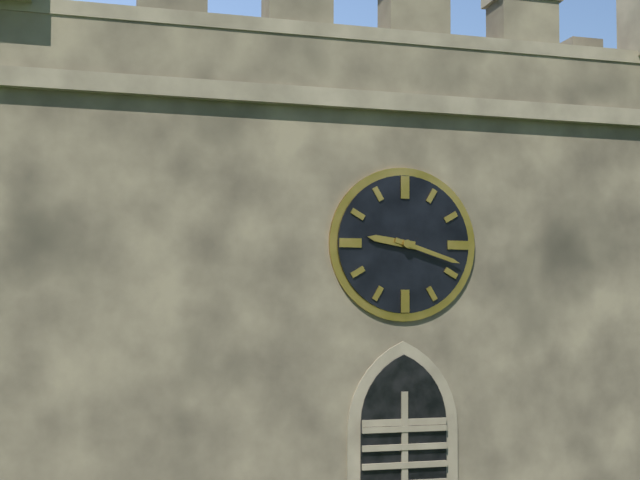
9:18
